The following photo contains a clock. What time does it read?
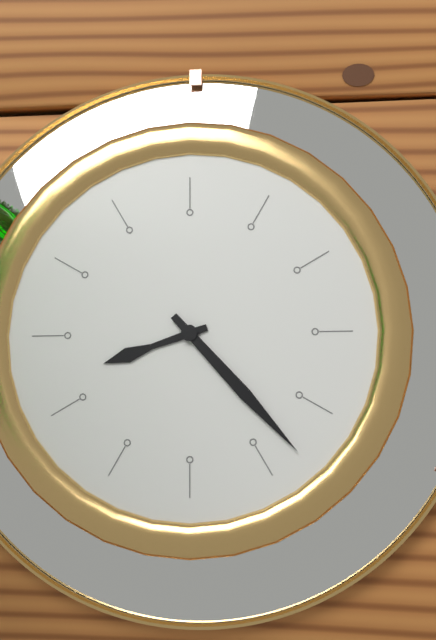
8:23
